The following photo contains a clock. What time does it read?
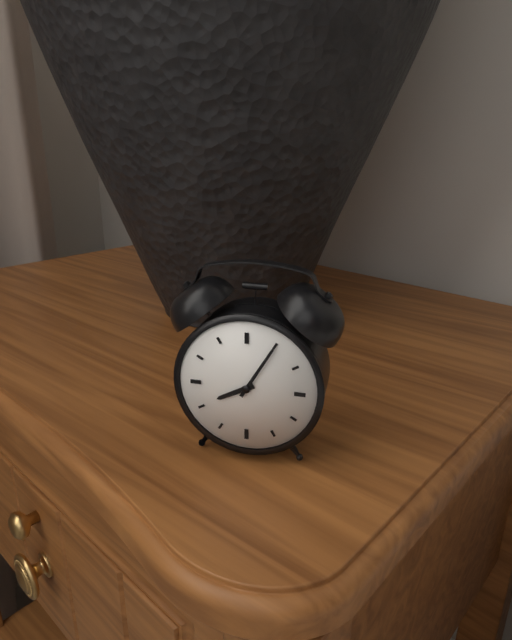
8:05
